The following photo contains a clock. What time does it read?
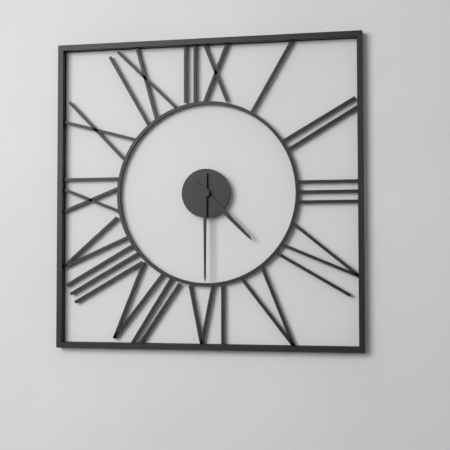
4:30
